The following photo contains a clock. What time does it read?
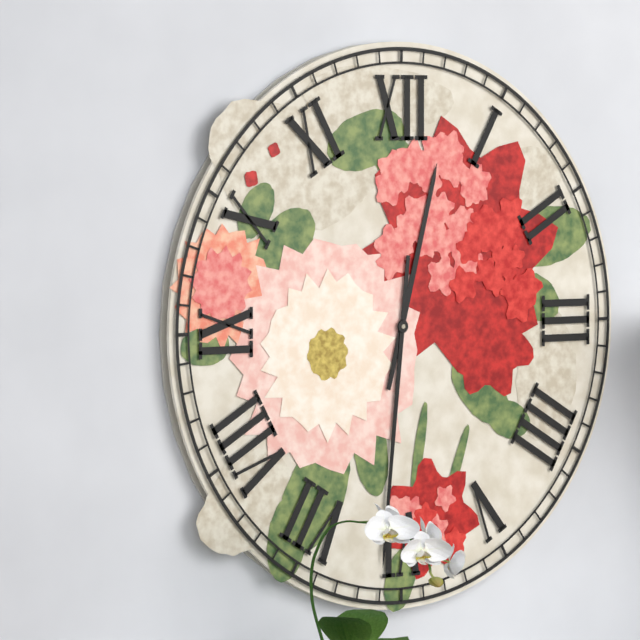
12:31
